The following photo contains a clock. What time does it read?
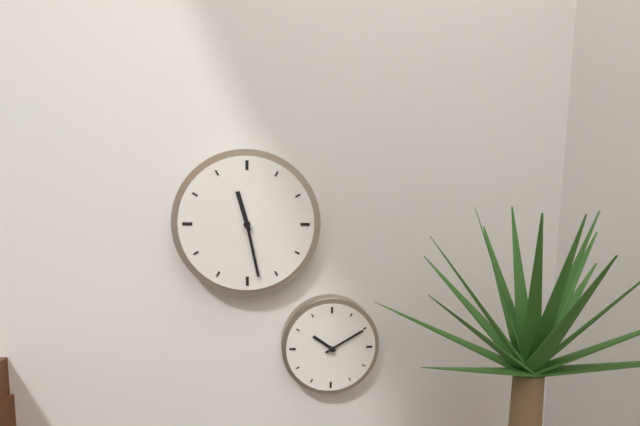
11:28
